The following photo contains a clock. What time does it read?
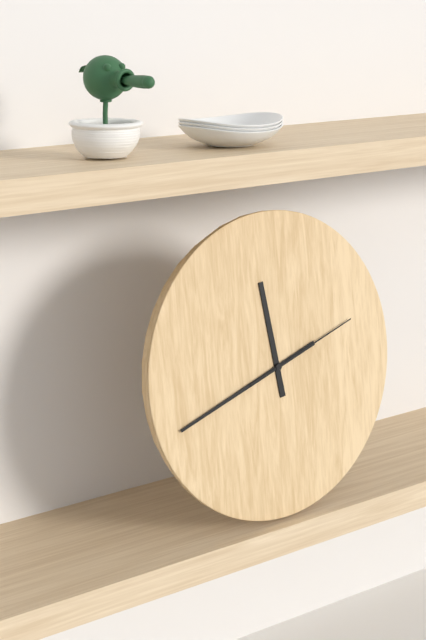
11:42:12
